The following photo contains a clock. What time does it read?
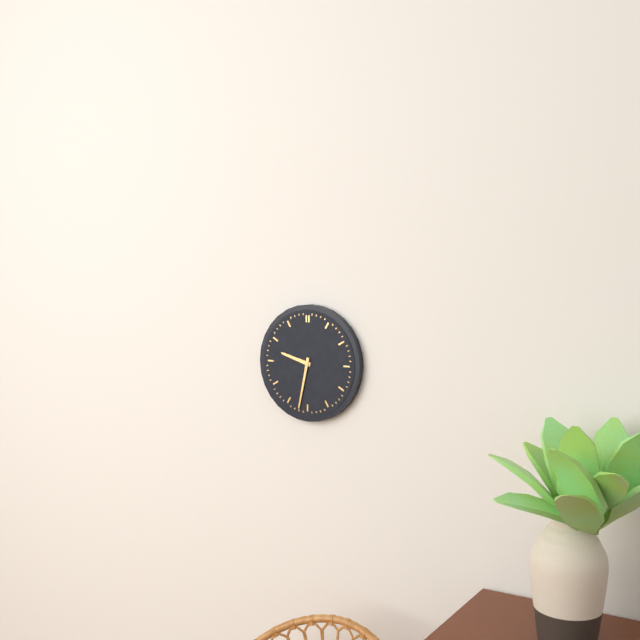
9:32
